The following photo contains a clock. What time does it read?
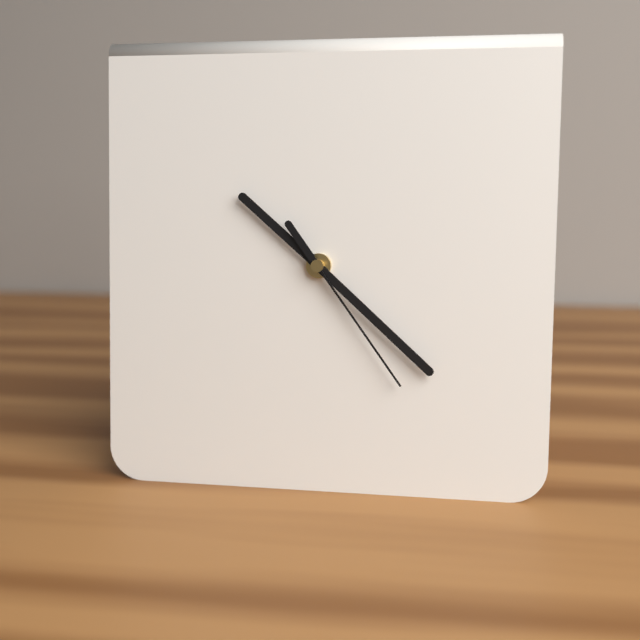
10:22:24
